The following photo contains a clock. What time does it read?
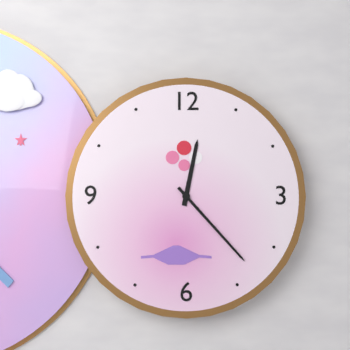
12:23
